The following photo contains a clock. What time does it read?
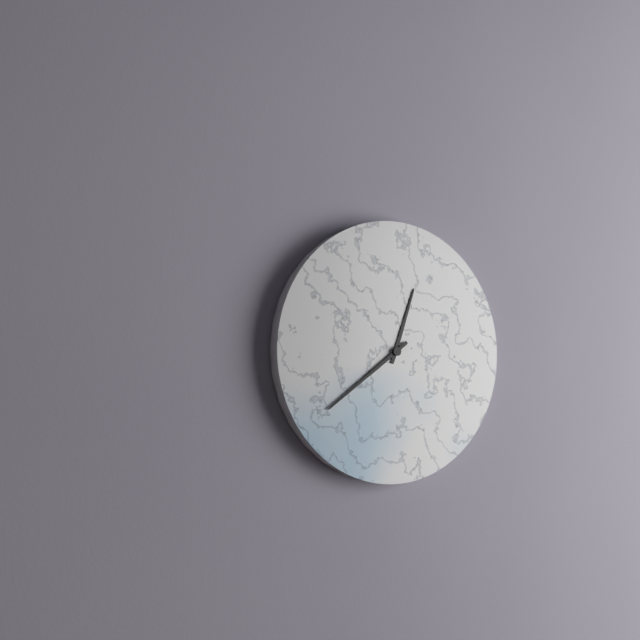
12:39
